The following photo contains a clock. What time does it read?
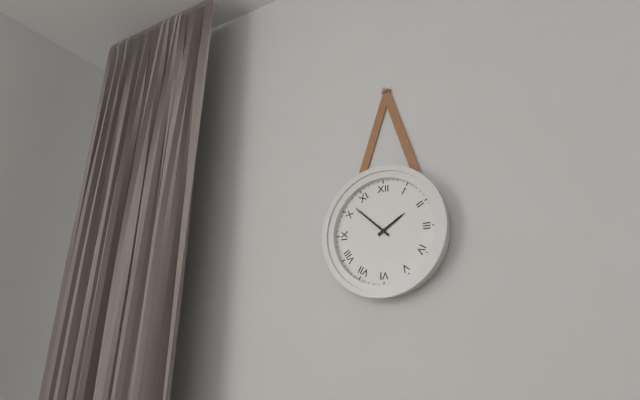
1:52
